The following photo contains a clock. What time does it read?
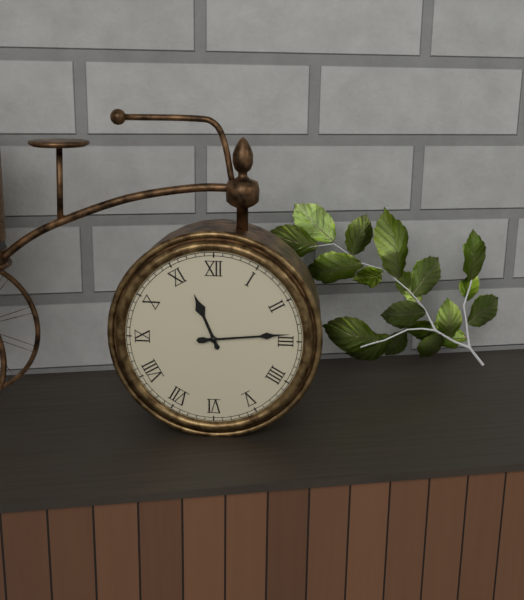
11:14
